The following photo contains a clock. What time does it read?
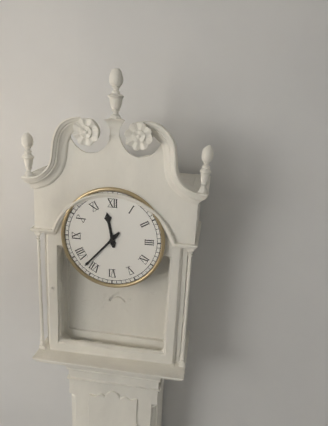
11:37
